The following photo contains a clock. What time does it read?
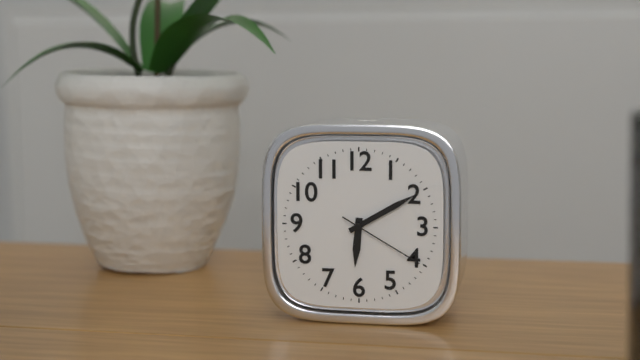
6:10:20
